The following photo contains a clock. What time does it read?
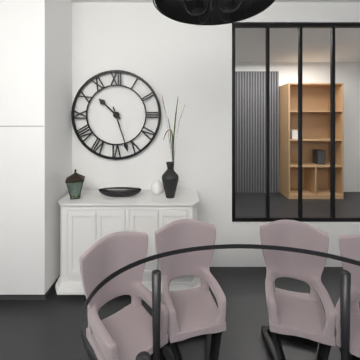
10:27
